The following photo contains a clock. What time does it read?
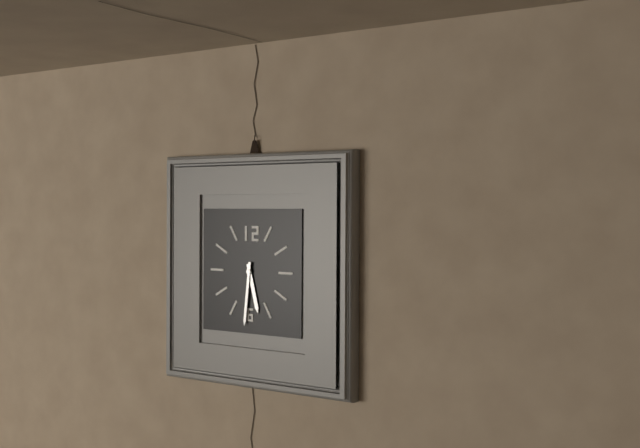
5:31
